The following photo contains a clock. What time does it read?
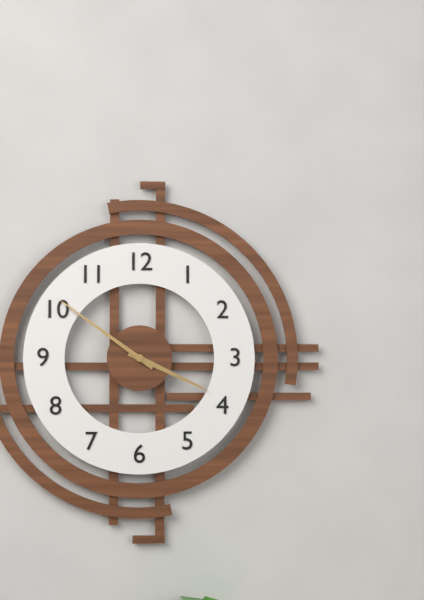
3:51
